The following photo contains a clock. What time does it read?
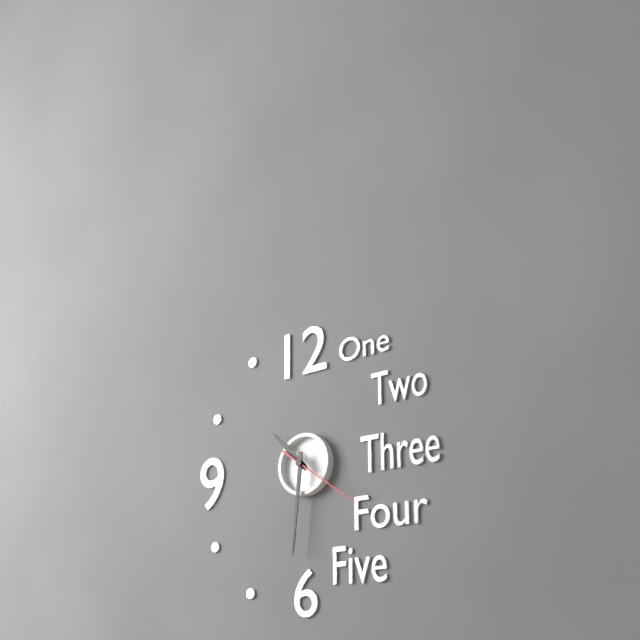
10:31:21
